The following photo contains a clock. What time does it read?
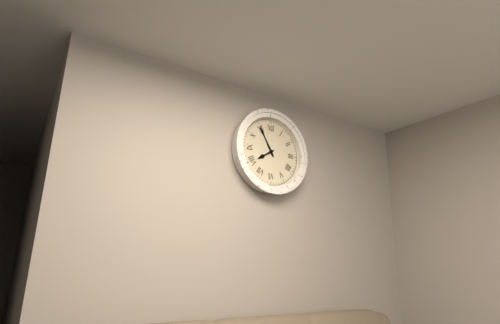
7:55
